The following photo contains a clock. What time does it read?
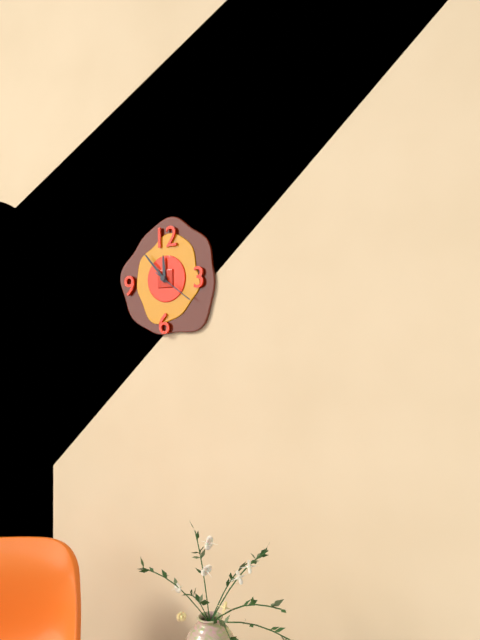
11:53
